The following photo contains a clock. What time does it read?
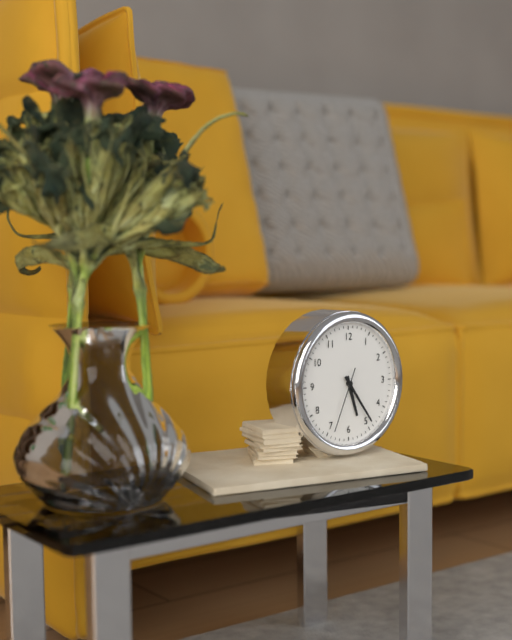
5:24:34
